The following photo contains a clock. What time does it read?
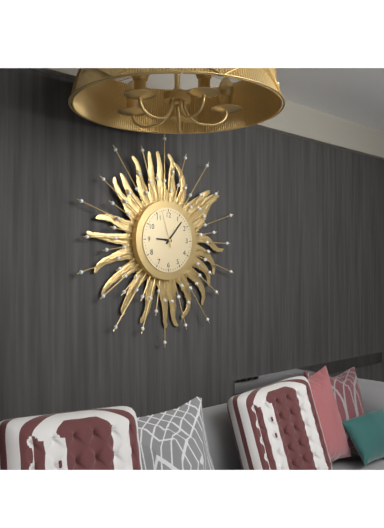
9:07
